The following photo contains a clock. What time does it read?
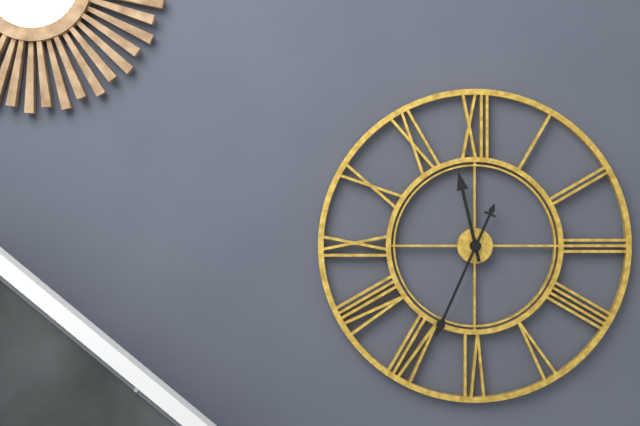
11:34
